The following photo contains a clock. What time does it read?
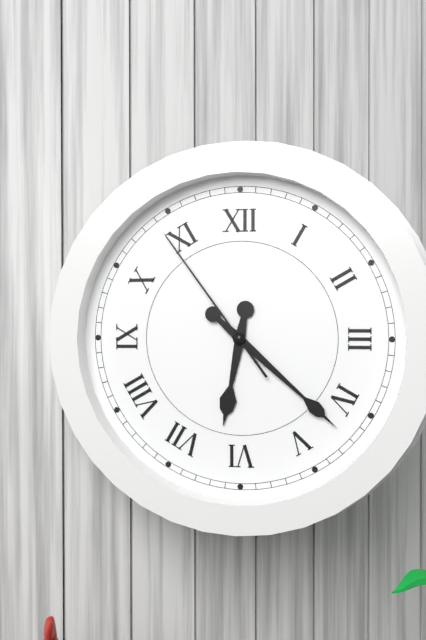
6:22:54
